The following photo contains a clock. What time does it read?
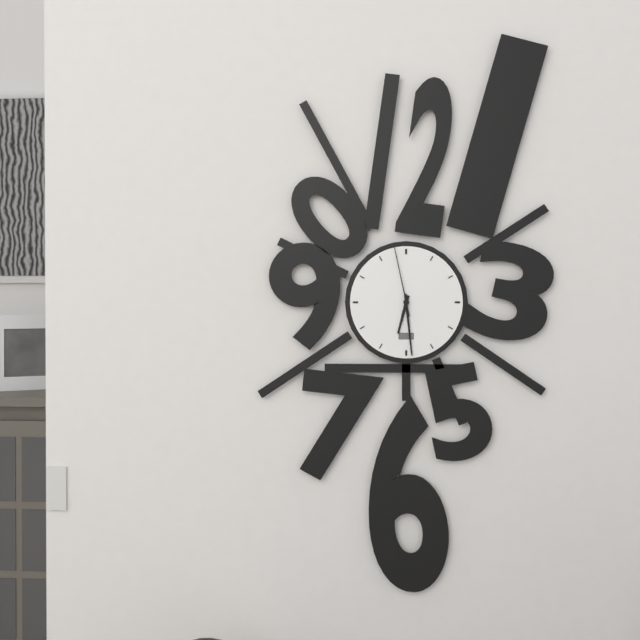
6:29:58
